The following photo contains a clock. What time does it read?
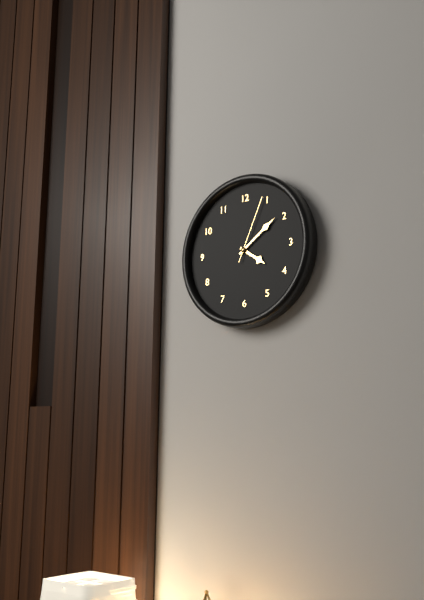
4:09:04
